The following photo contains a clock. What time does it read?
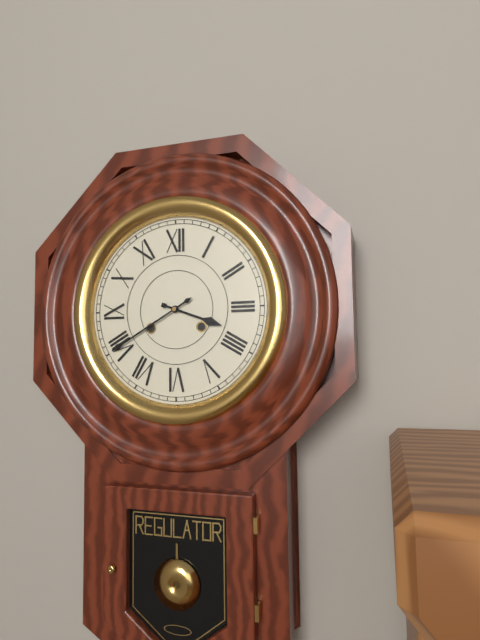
3:40
